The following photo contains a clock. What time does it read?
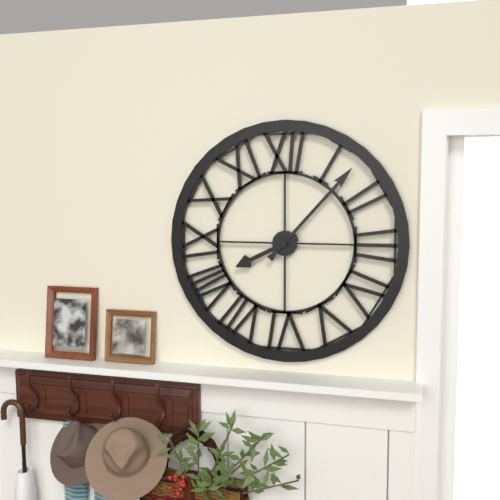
8:07
